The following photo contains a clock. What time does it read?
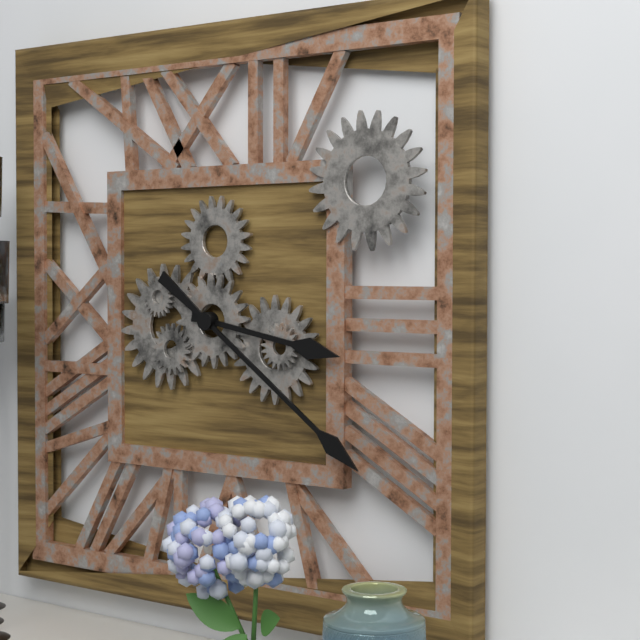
3:21
